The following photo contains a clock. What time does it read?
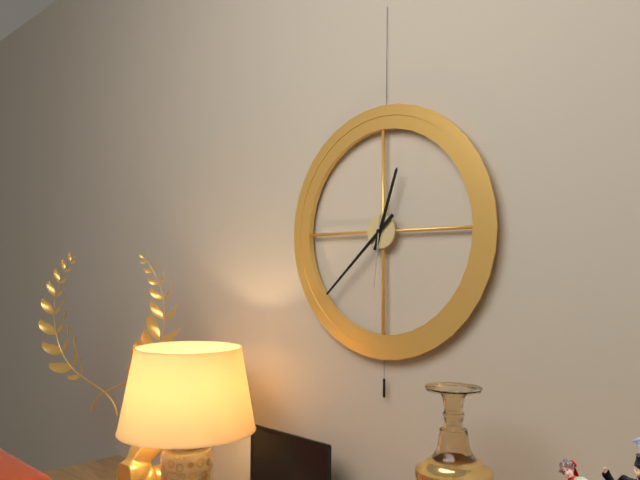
12:38:31
